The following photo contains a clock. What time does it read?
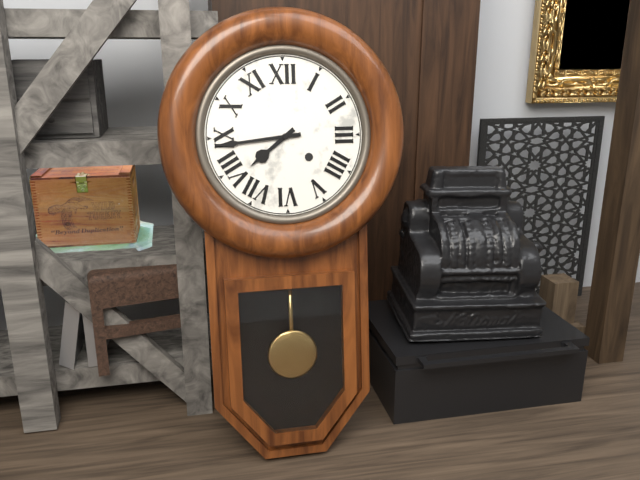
7:44
